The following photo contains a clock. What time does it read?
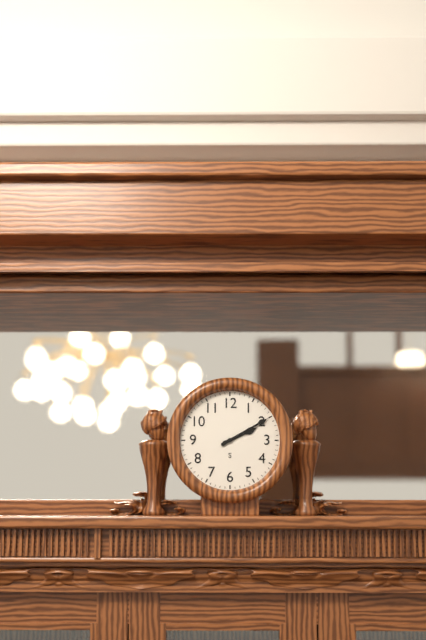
2:10
